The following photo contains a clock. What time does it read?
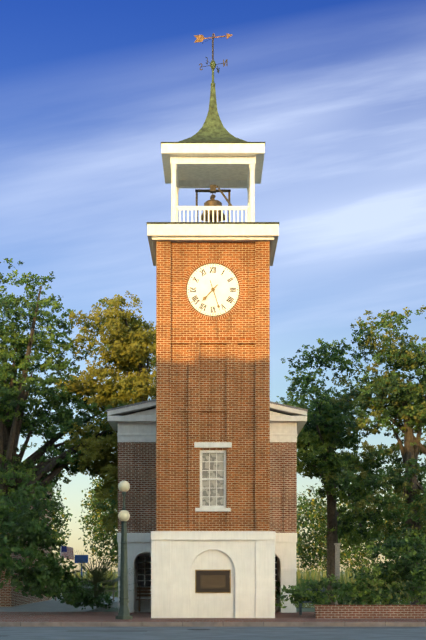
7:27
